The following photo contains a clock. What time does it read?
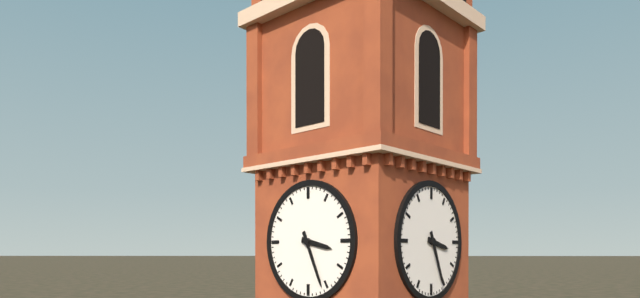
3:26
